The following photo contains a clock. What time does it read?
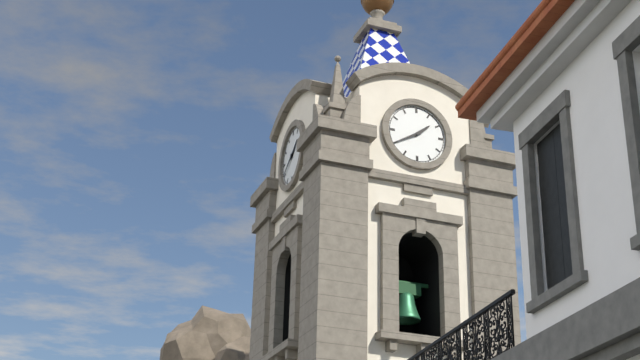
1:40
